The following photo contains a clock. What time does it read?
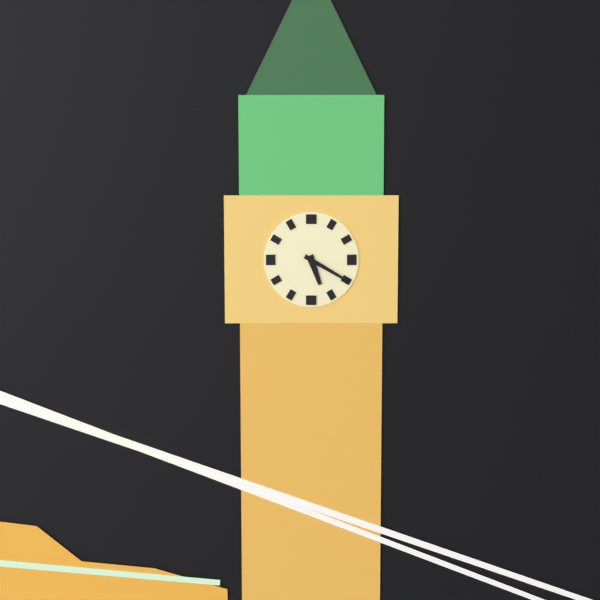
5:20
